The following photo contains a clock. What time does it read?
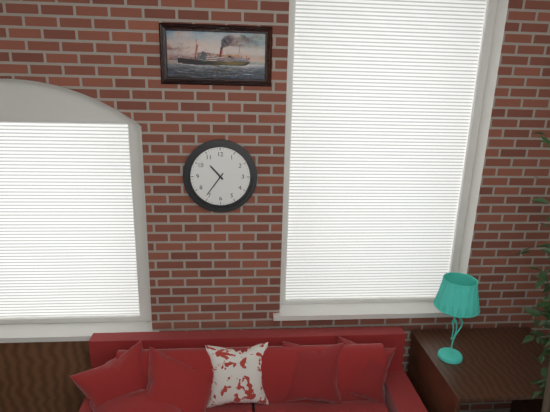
10:36
